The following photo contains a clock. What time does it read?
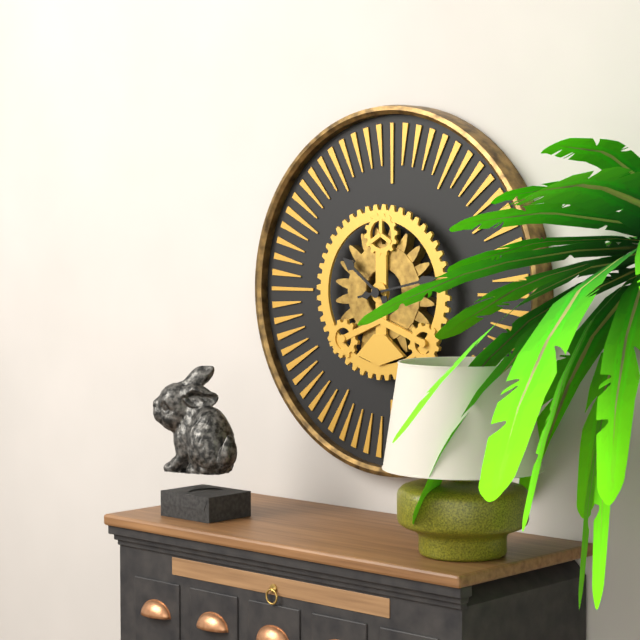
10:13
